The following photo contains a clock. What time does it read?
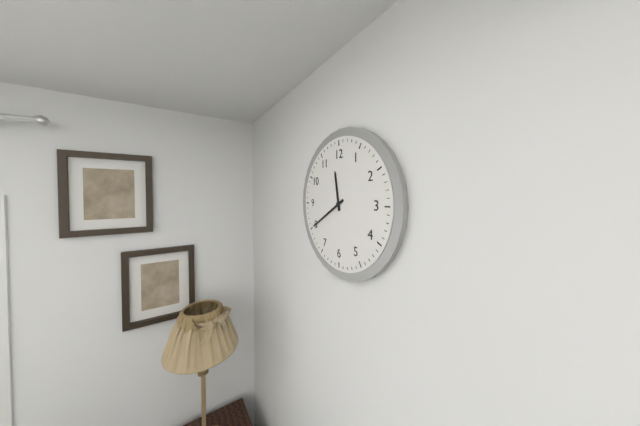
11:40
